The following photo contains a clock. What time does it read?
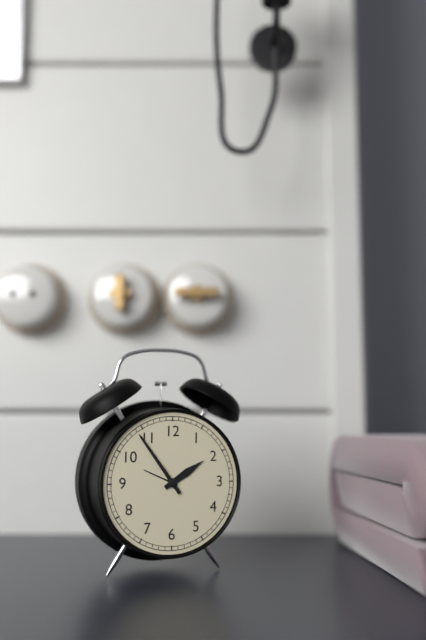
1:54
